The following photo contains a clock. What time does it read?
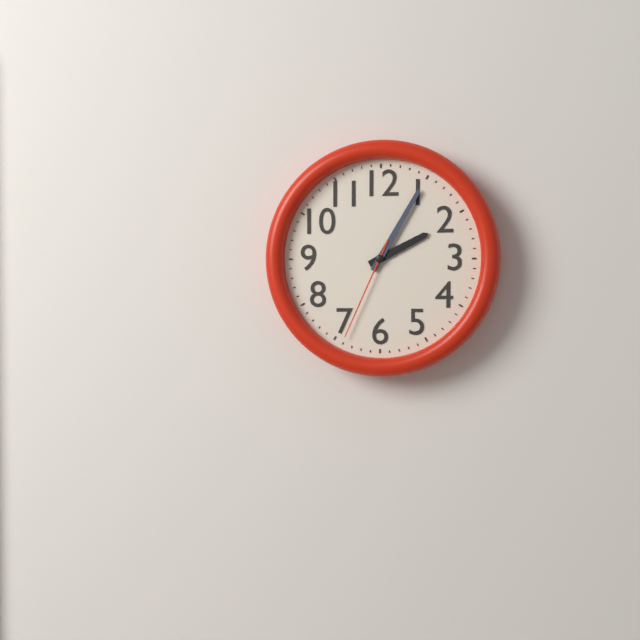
2:05:34
